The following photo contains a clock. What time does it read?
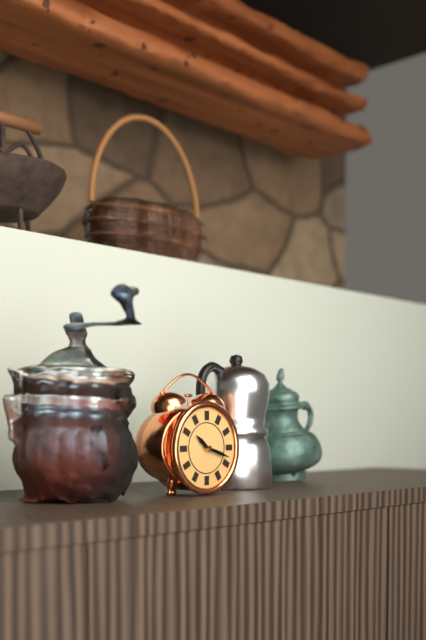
10:18
